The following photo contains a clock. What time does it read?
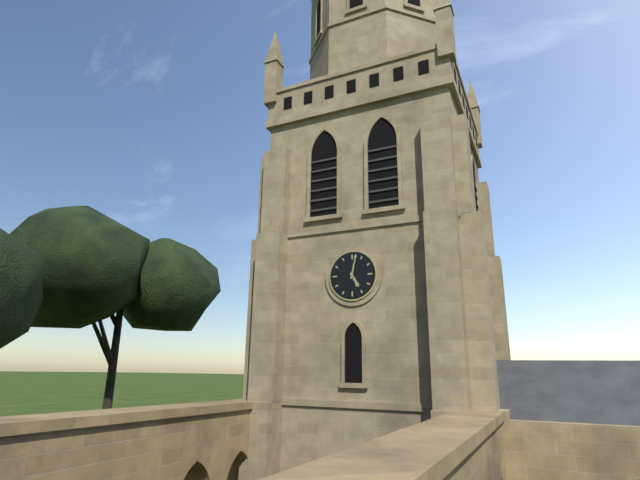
5:02
